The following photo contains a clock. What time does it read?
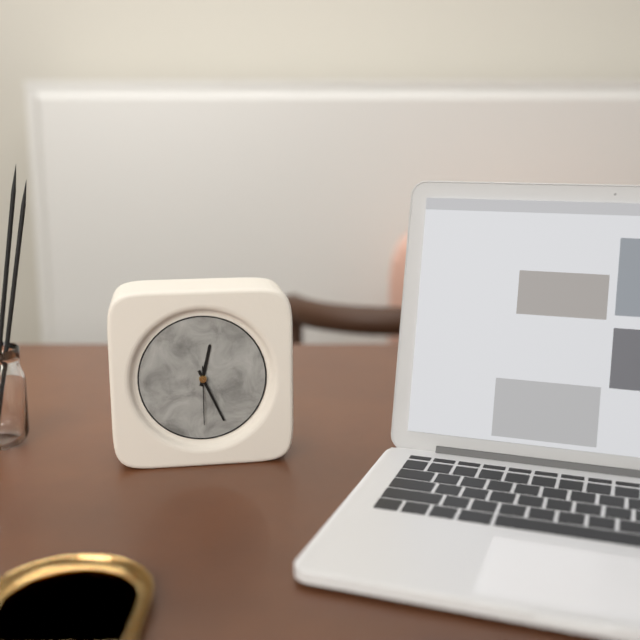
12:26:30
